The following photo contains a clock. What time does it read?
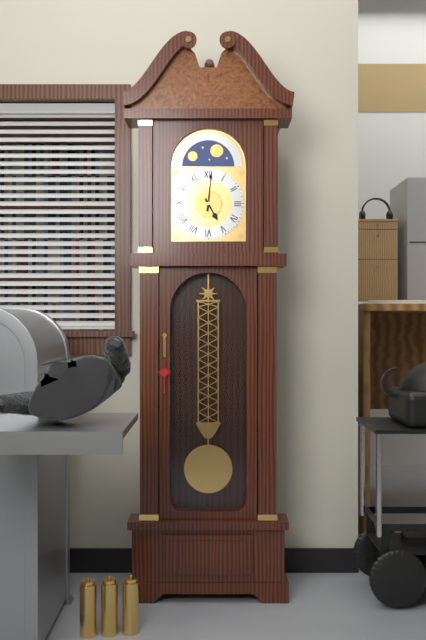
5:01
